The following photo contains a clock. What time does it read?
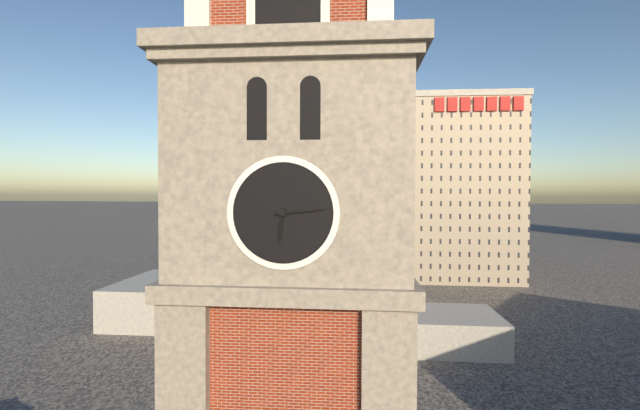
6:14
